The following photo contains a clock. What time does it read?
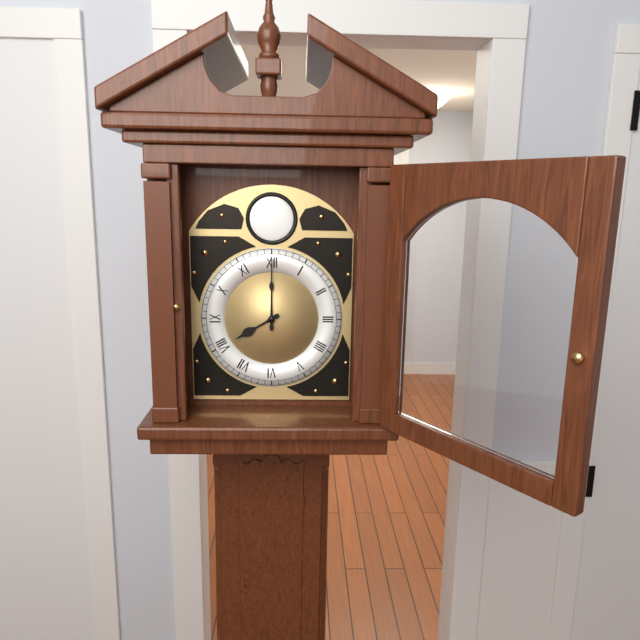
8:00
